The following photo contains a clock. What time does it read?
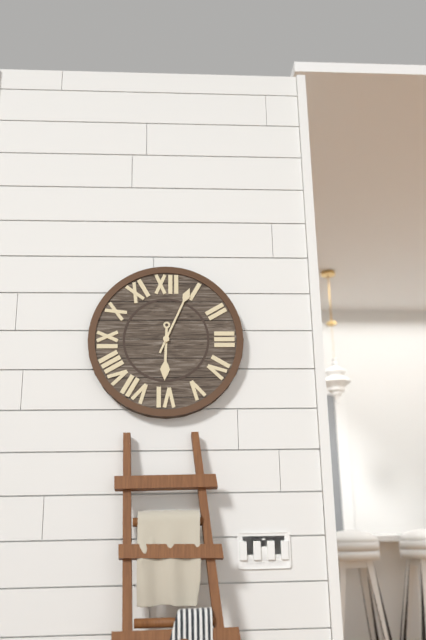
6:04
